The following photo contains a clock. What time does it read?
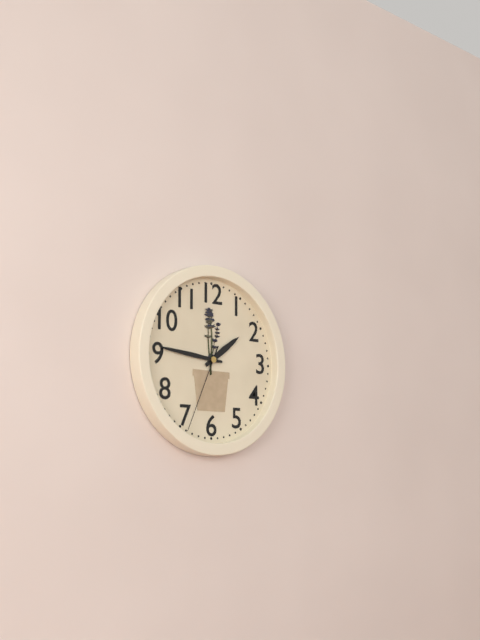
1:46:34
